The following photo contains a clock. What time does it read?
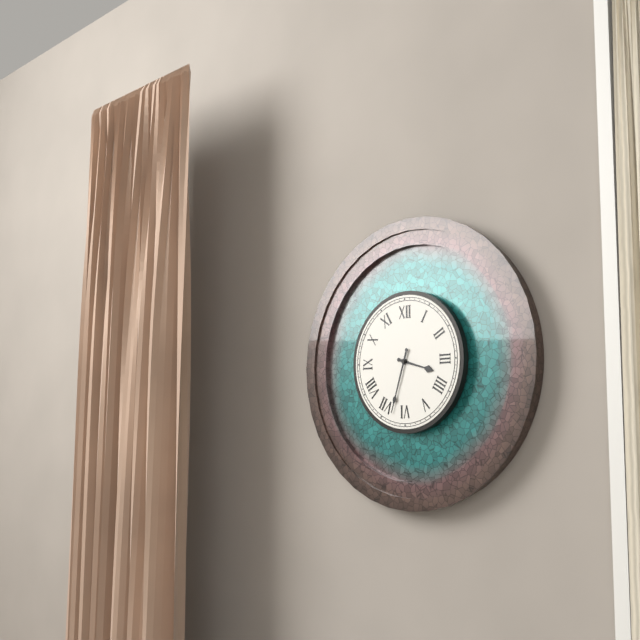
3:33
